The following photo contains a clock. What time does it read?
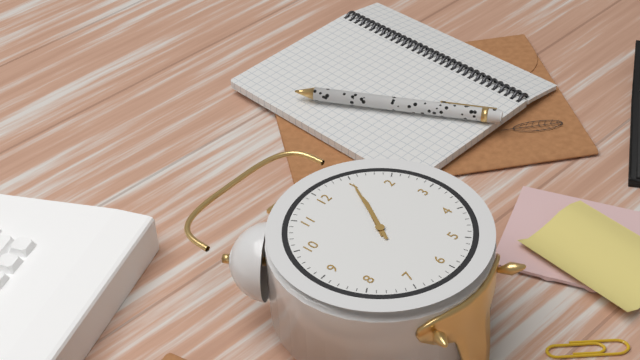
1:05
